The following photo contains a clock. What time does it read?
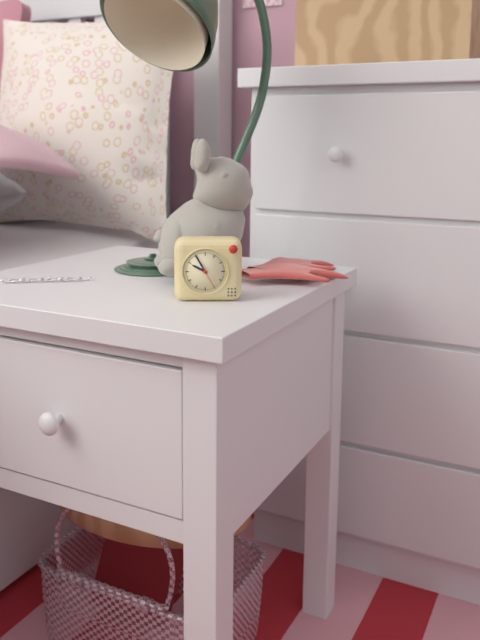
9:55
